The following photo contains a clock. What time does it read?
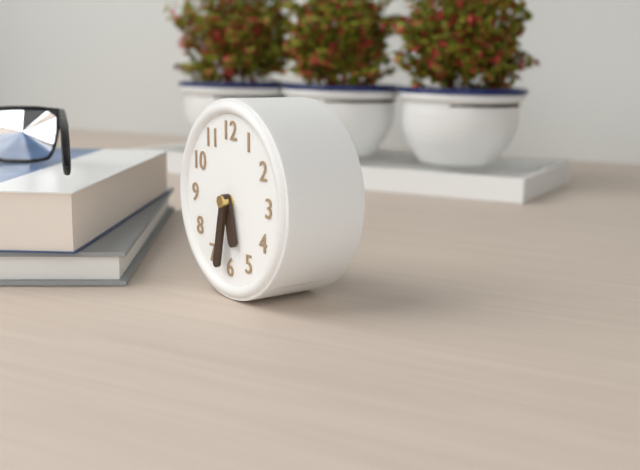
5:32
